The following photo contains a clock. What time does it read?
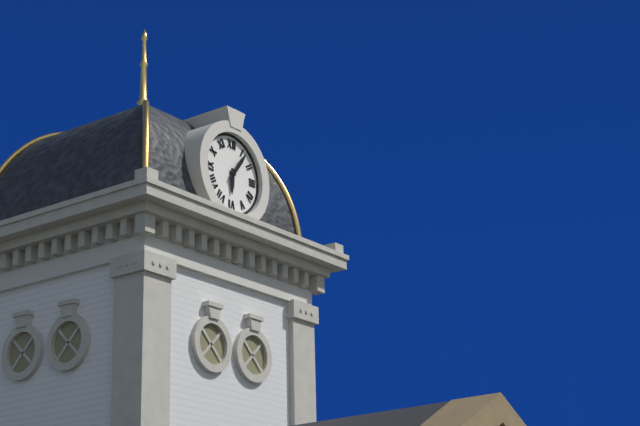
6:06
